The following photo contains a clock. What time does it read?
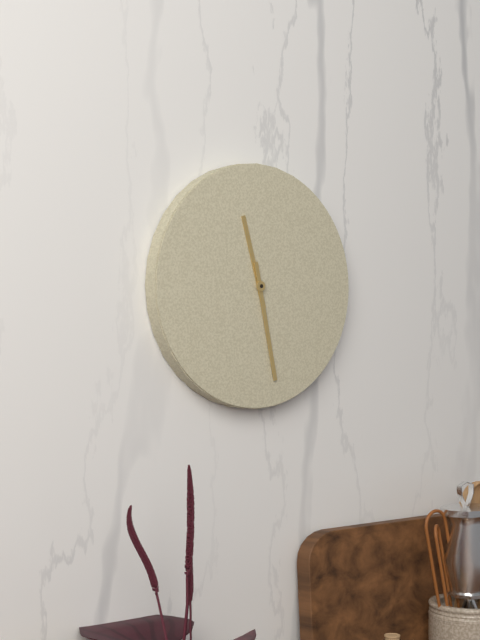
11:28
